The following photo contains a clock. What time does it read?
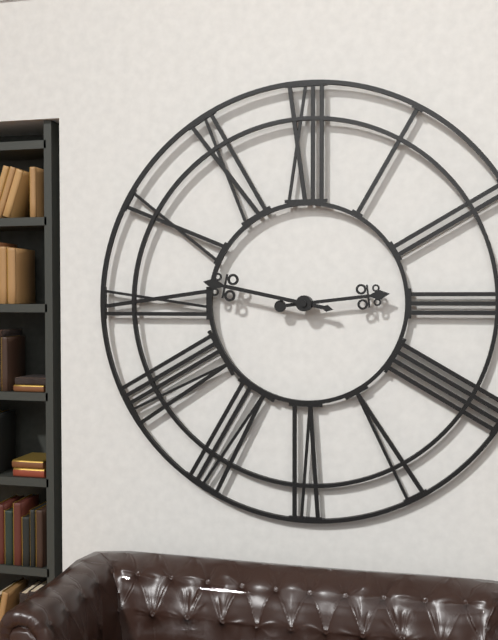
2:47
